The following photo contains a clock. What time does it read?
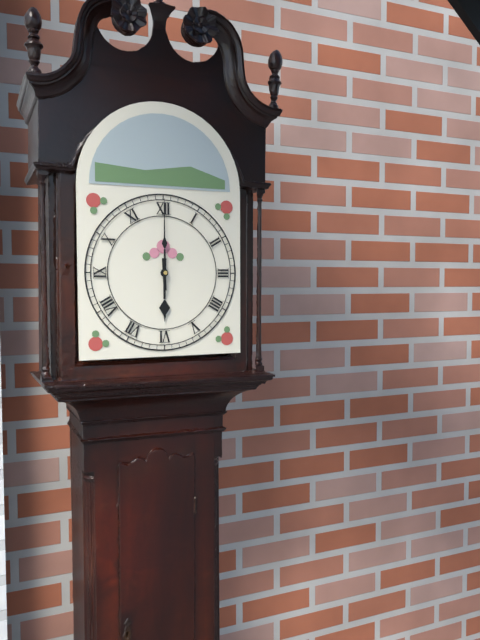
6:00
